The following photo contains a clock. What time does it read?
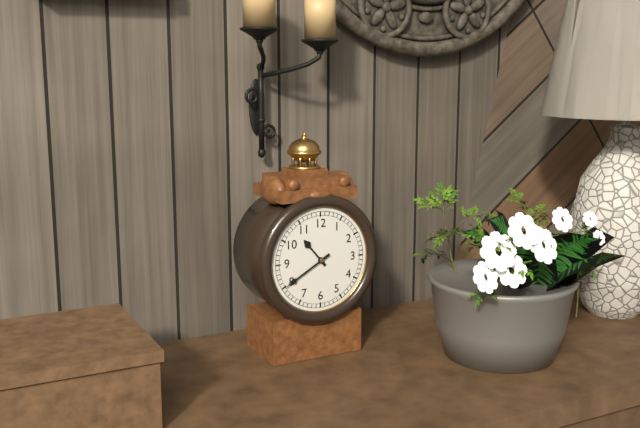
10:40
